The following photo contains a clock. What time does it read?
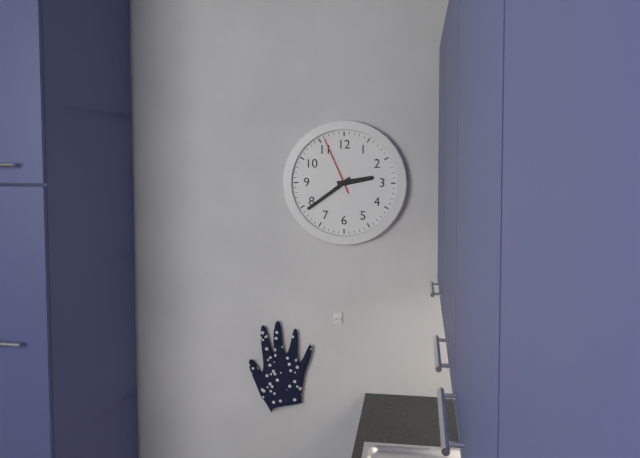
2:39:56
